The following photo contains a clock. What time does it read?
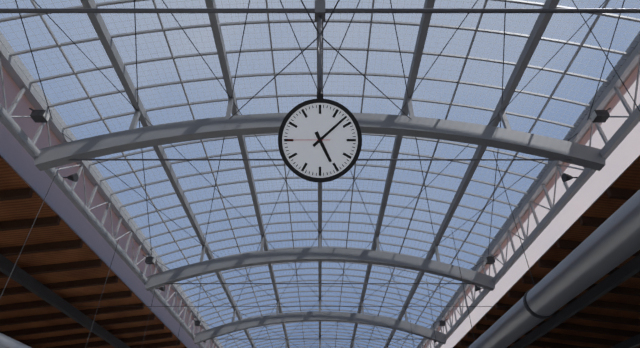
5:08
